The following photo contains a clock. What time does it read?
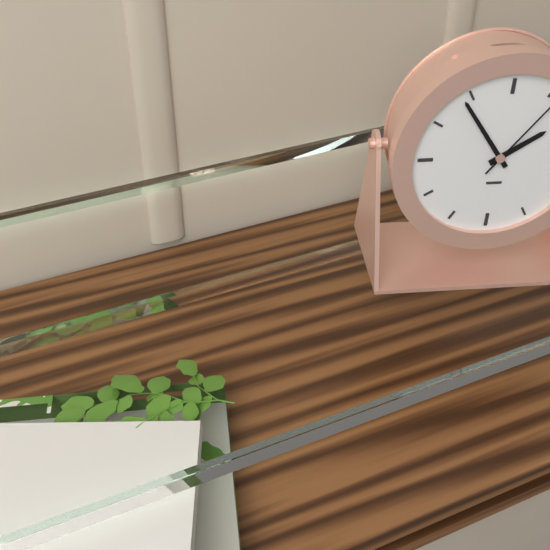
1:54
